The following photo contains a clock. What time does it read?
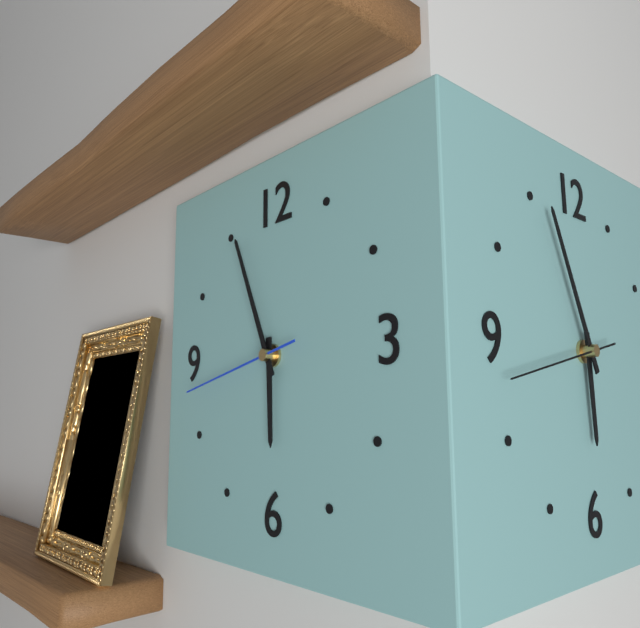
5:56:43
